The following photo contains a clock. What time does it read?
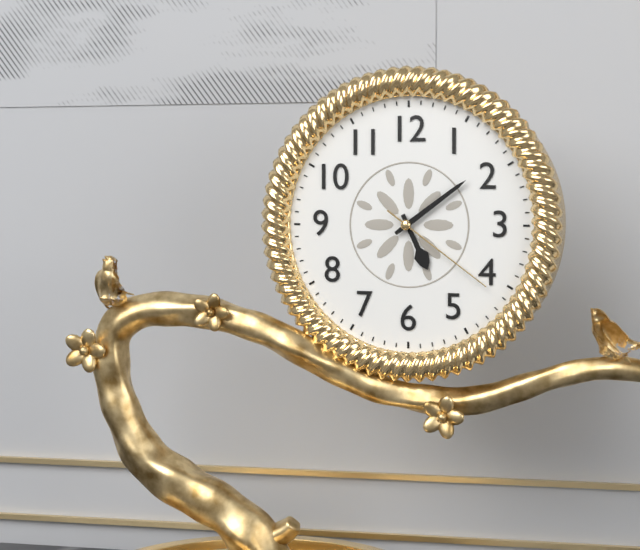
5:09:21
